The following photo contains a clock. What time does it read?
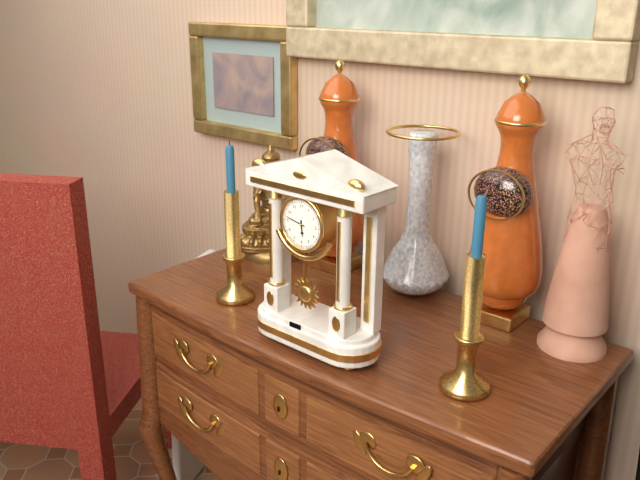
5:47
